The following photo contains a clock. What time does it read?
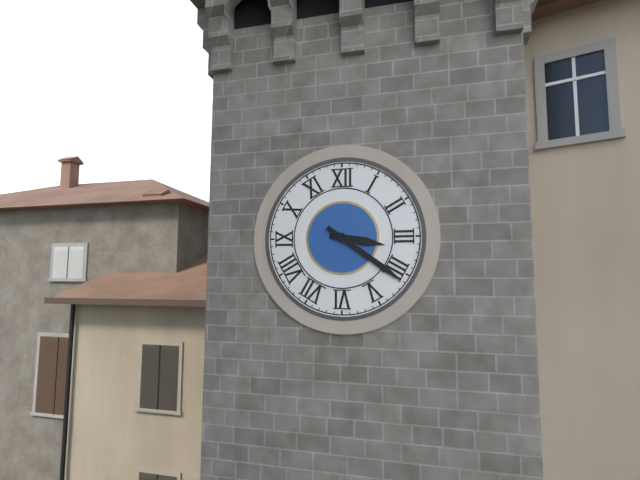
3:21
